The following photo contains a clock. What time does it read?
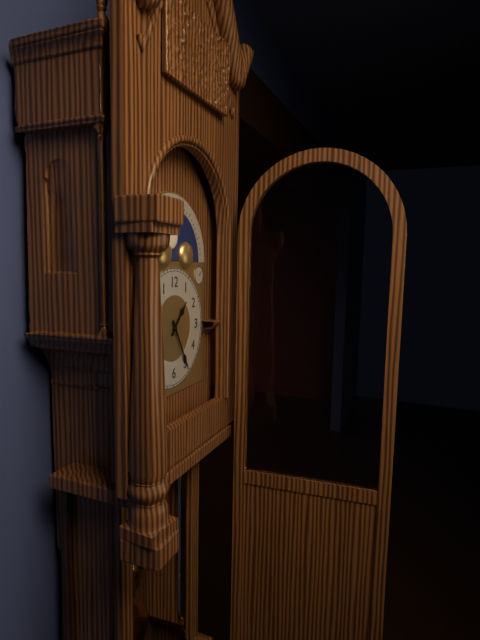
1:25
